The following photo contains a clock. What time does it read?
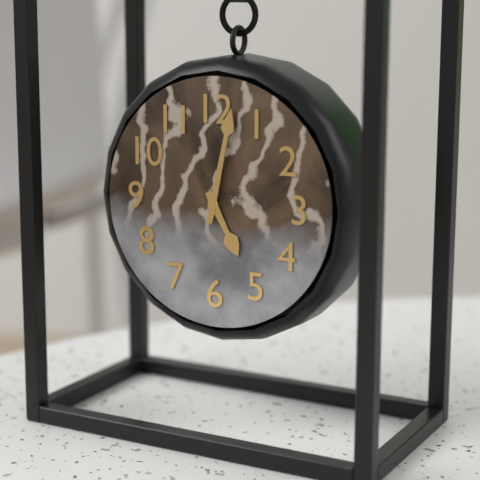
5:02
